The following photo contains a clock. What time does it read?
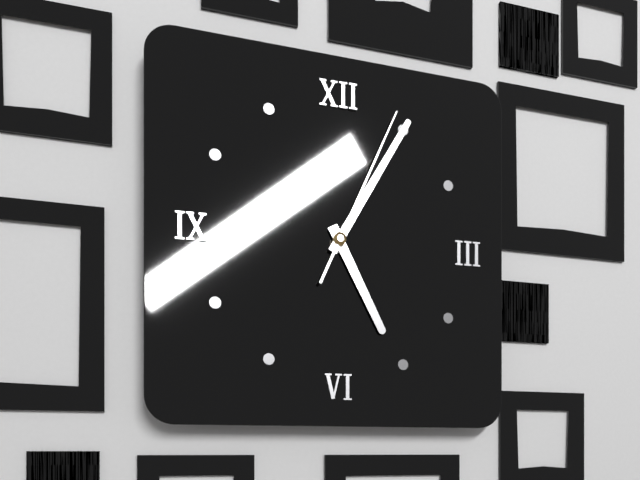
5:05:04
